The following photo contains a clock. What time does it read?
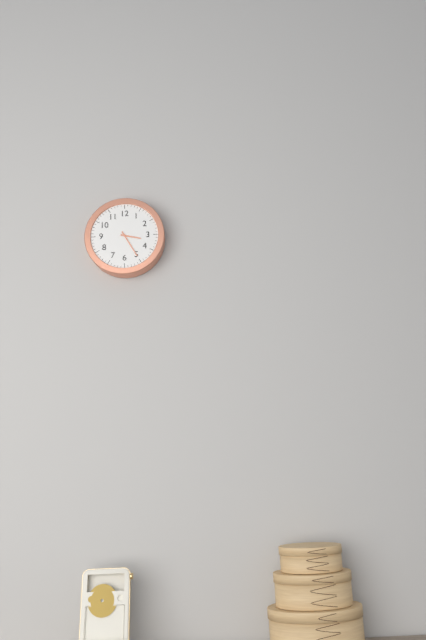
3:25
